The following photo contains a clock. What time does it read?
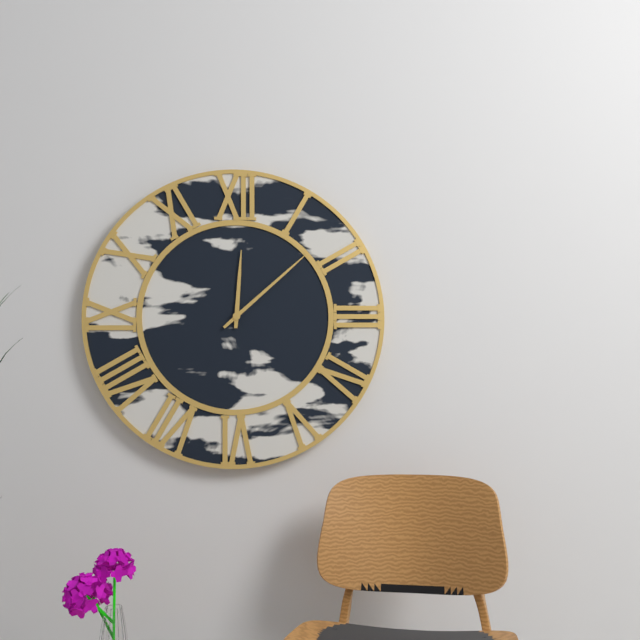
12:08
